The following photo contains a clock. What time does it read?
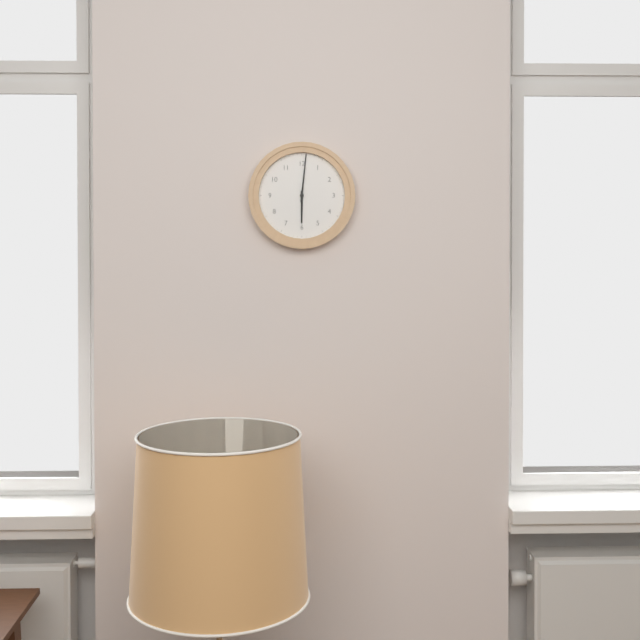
6:01
